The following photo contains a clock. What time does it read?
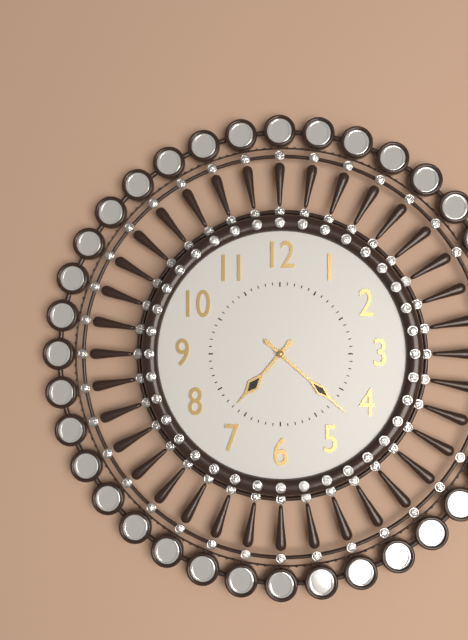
7:22
